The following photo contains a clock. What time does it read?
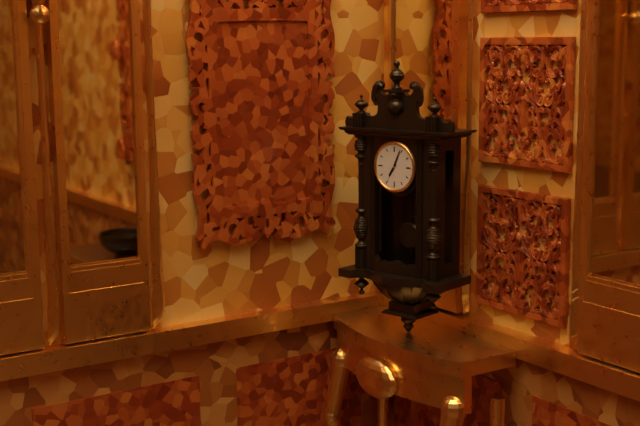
7:04
